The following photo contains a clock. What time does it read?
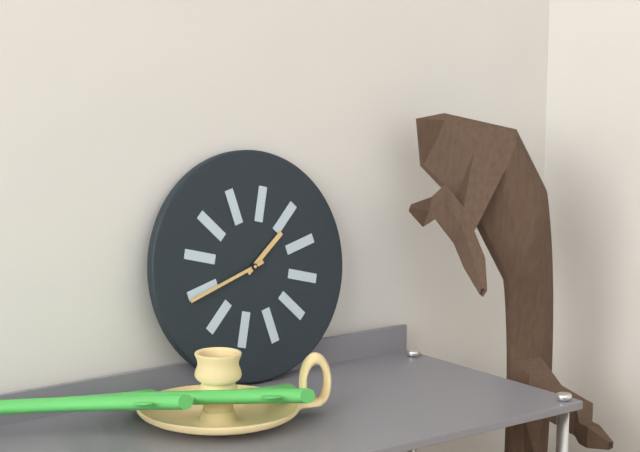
1:42
